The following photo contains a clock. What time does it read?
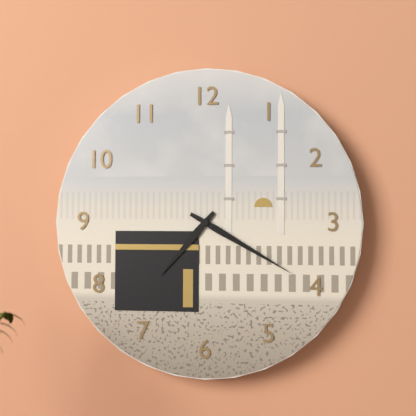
7:20
